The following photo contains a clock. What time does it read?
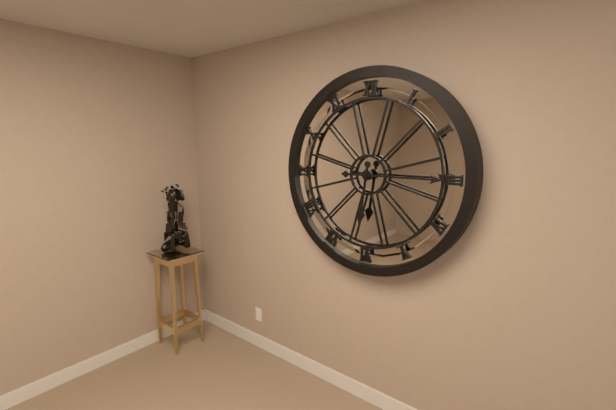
6:15
